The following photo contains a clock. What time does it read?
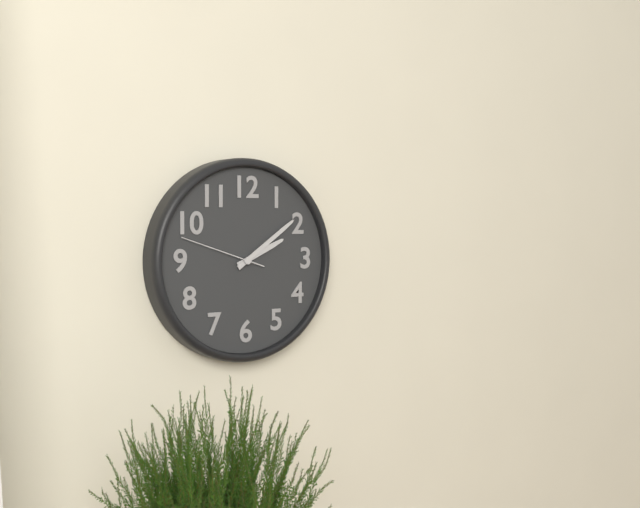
2:09:48
